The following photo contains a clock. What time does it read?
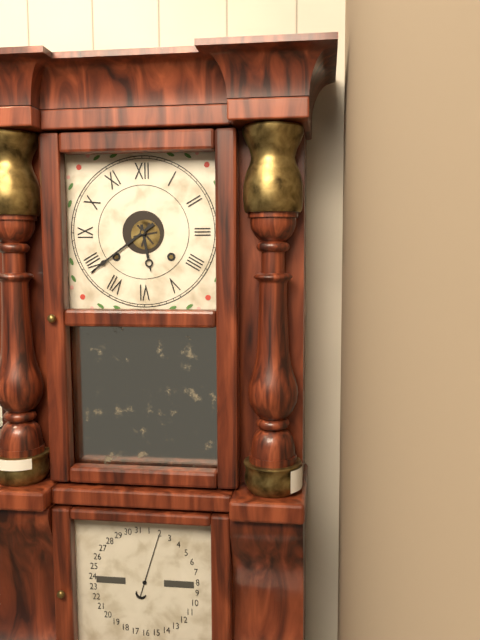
5:39
